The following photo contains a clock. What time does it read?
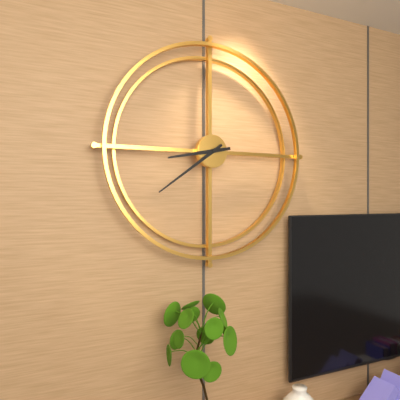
8:39
